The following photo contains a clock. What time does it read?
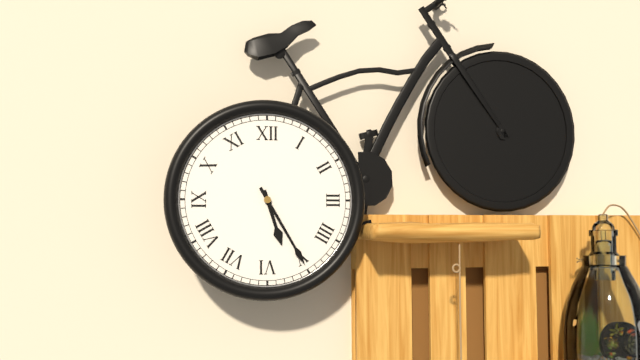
5:25
